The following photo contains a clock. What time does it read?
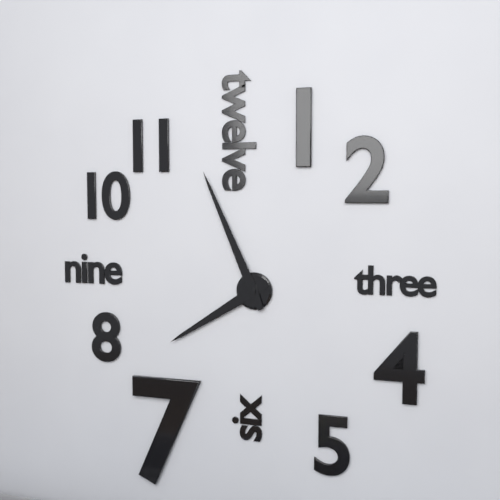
7:56
